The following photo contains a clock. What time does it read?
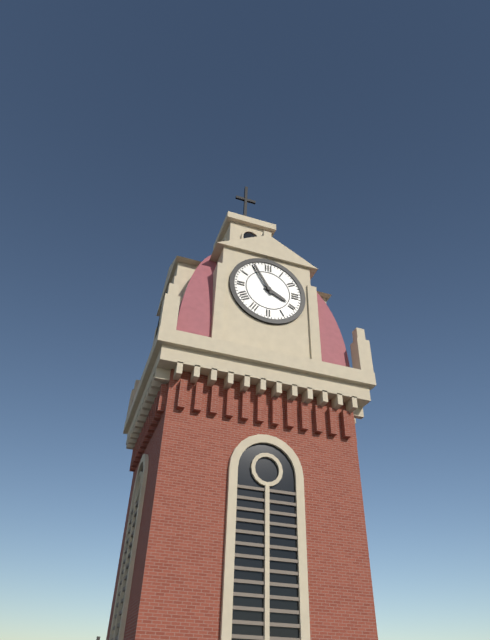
3:55
